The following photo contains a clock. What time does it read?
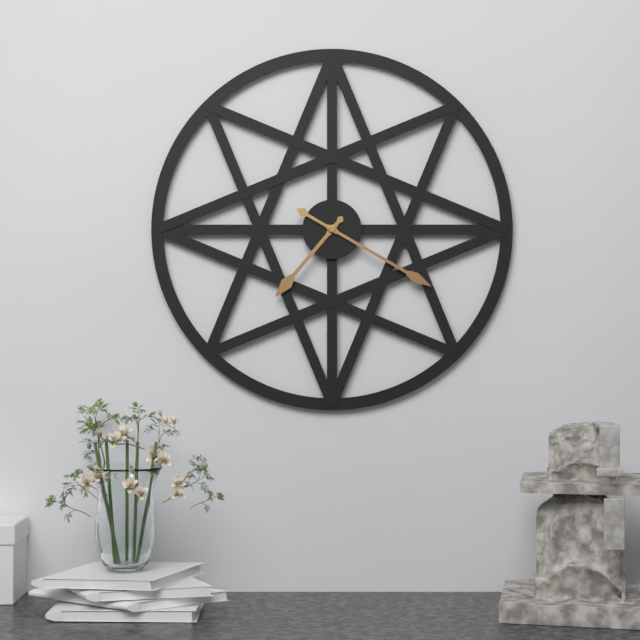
7:20
